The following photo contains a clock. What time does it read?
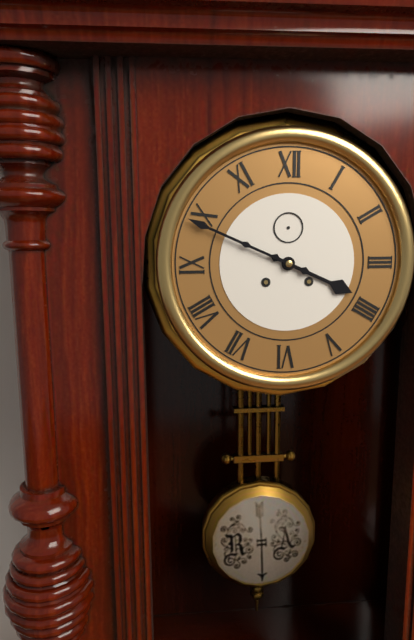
3:49
